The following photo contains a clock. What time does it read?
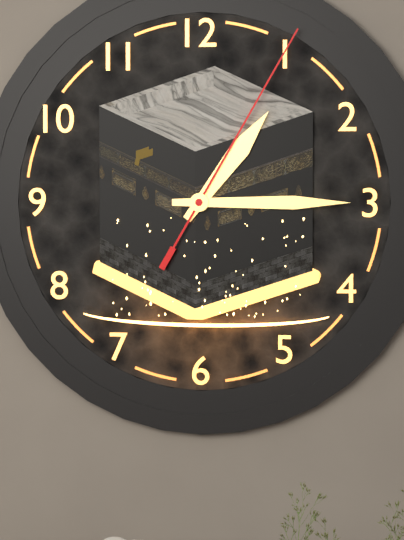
1:15:05
